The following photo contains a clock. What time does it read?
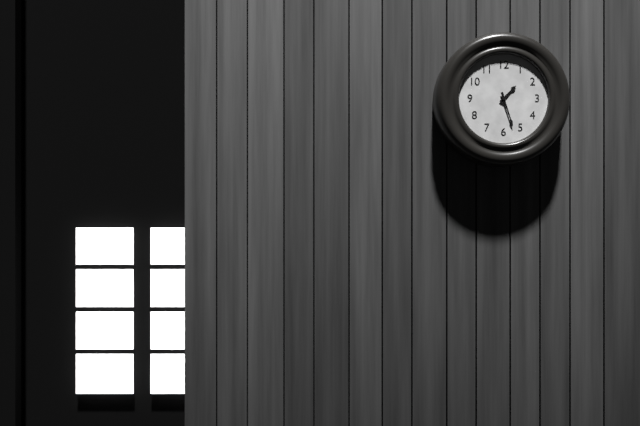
1:27
